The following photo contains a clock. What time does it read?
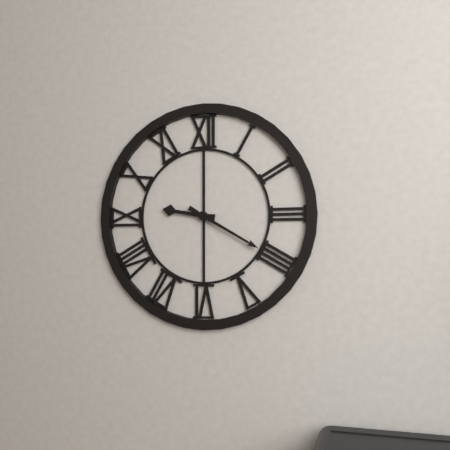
9:20
